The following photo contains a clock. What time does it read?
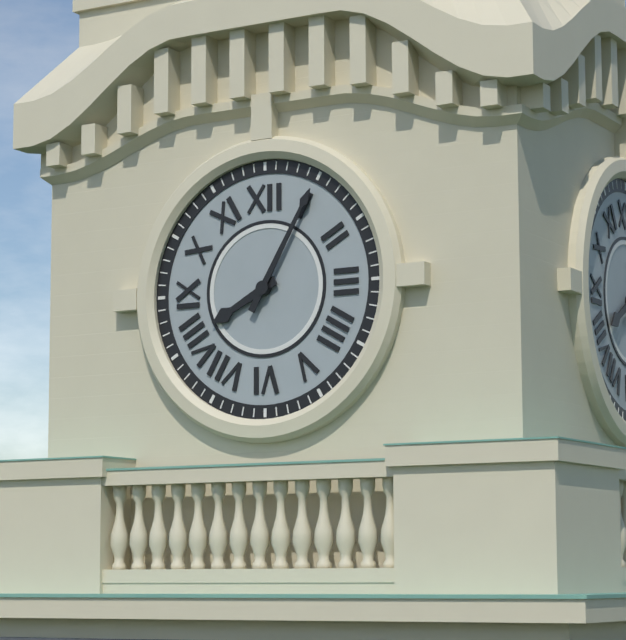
8:05
